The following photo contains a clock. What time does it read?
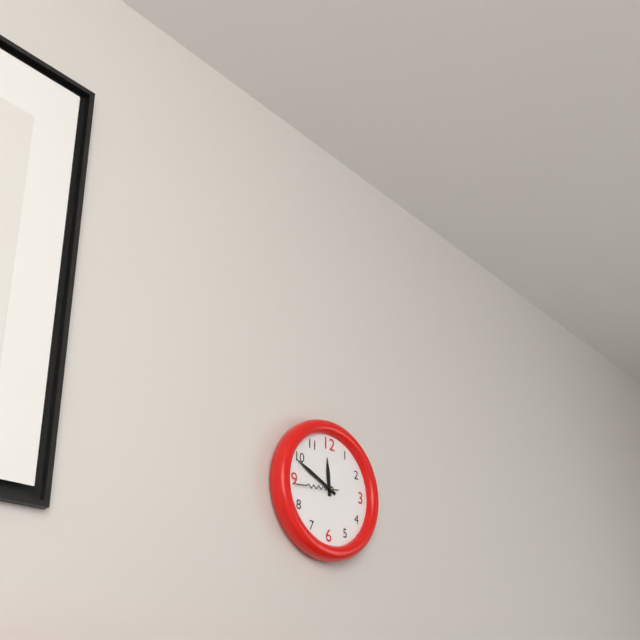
11:49
